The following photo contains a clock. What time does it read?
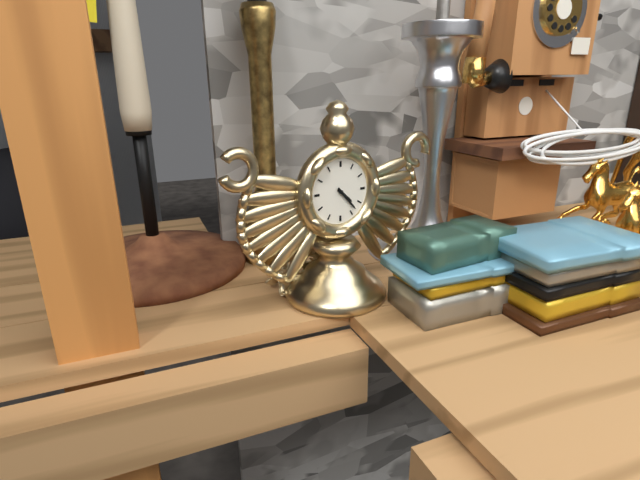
4:23
